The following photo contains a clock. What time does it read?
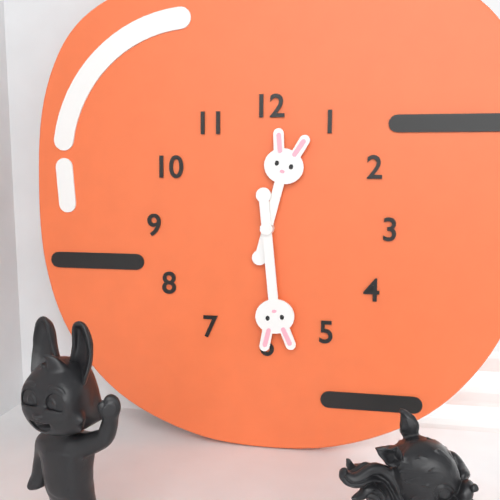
12:29
